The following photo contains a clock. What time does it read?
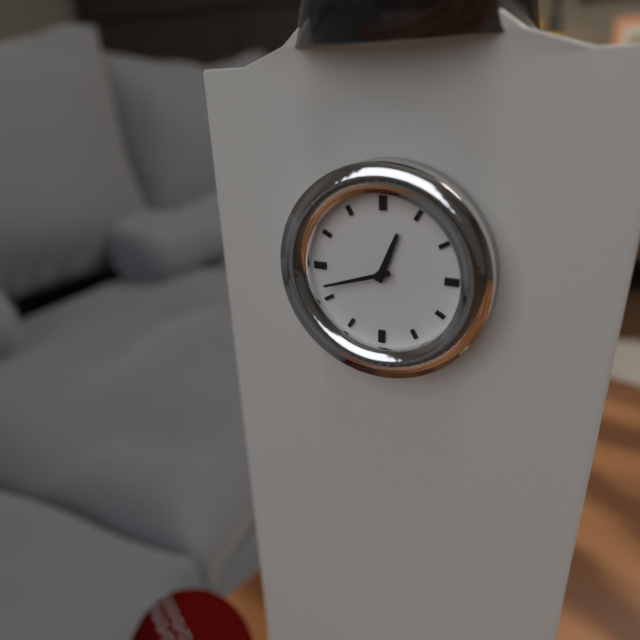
12:42
